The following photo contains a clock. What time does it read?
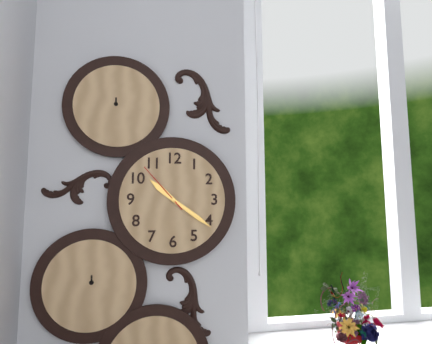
10:21:53
